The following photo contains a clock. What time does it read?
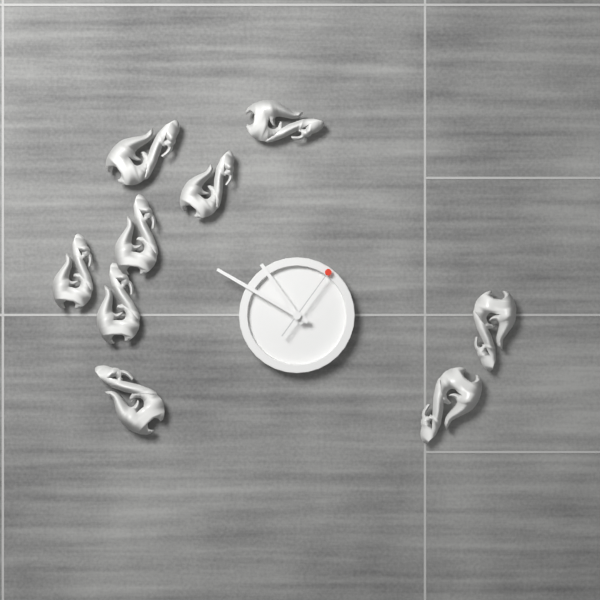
10:50:06
